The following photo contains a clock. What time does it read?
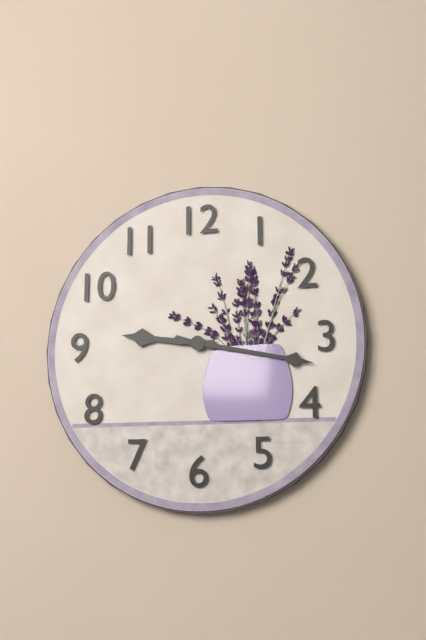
9:17
